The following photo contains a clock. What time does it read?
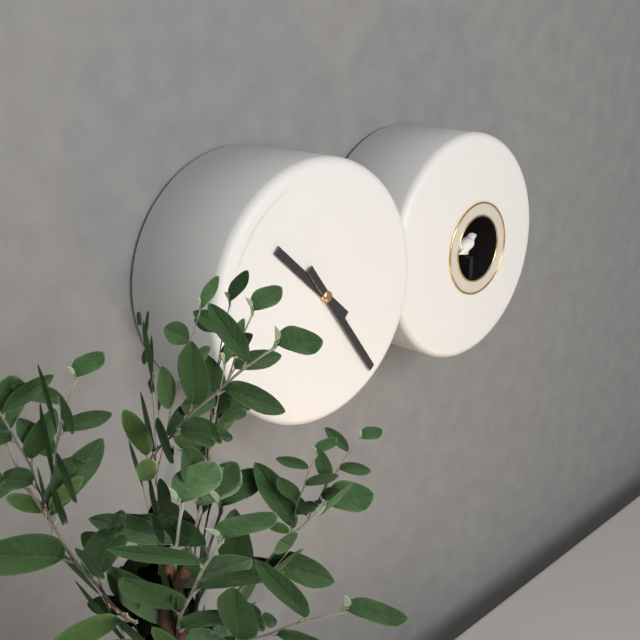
10:24
